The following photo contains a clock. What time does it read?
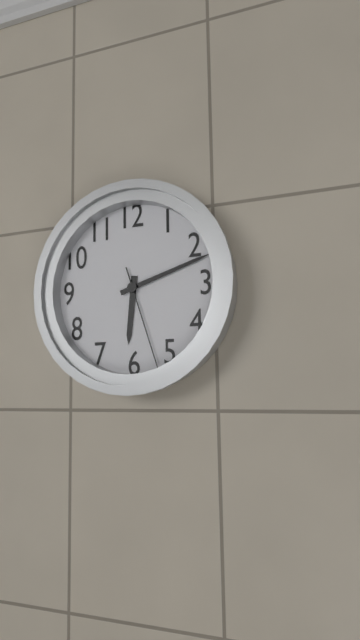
6:12:27
